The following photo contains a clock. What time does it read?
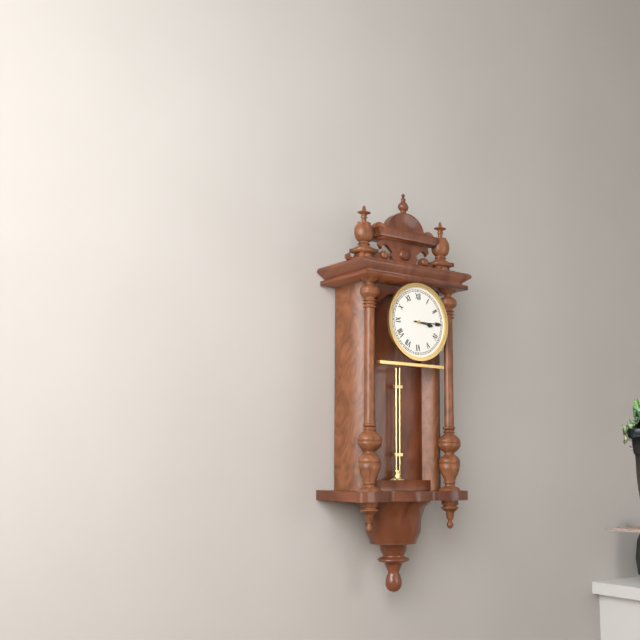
3:15
